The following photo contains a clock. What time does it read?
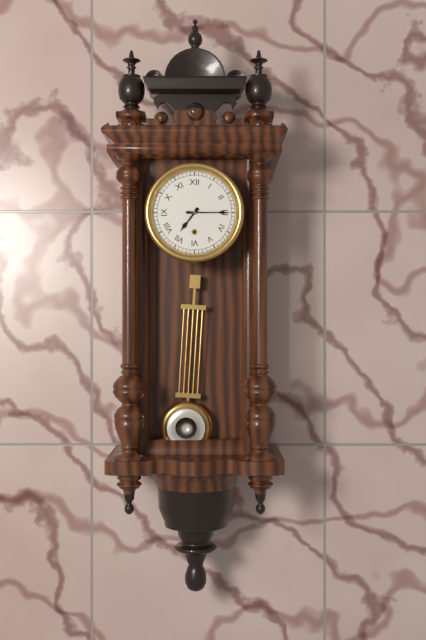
7:15
